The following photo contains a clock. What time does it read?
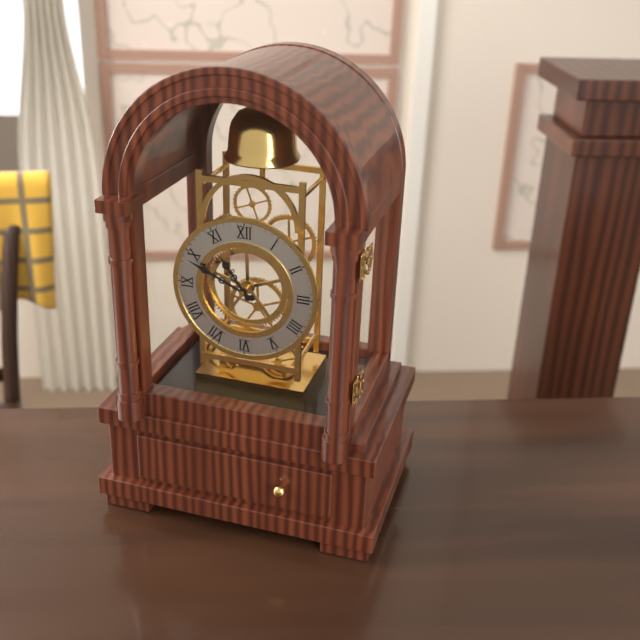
10:49
